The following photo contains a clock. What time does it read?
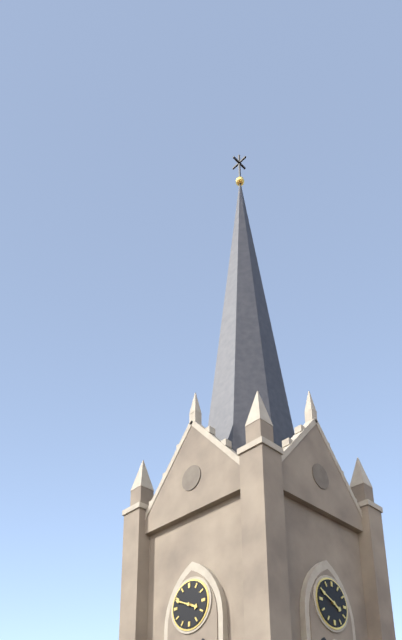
3:49
